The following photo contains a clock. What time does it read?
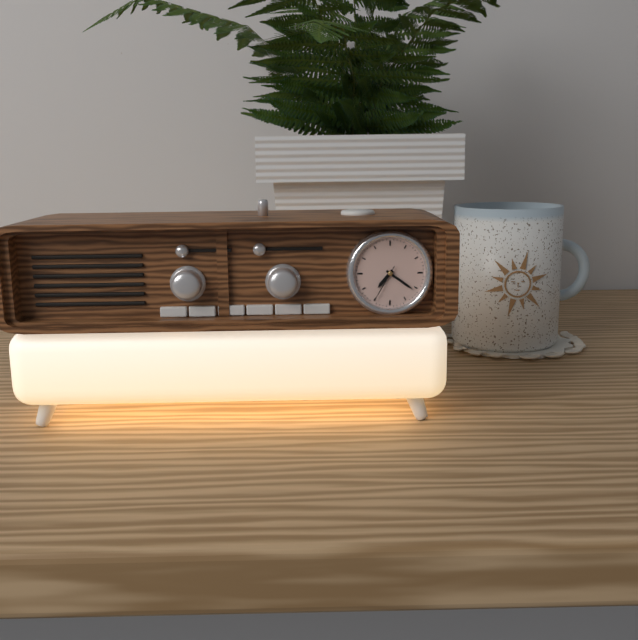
7:21
